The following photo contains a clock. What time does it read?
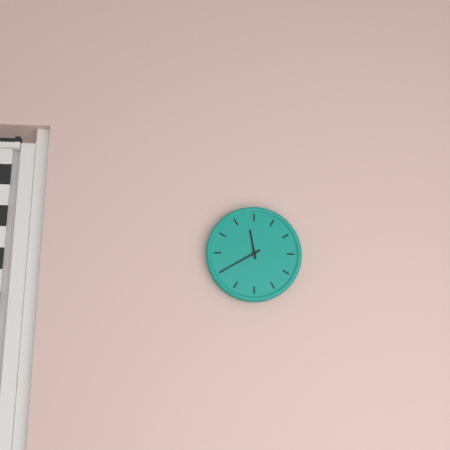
11:40
